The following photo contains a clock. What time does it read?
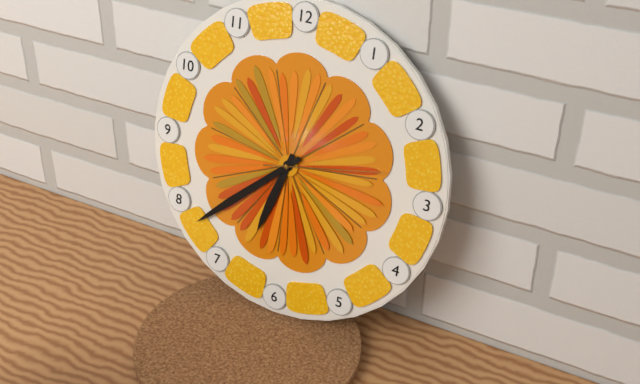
6:38:13
